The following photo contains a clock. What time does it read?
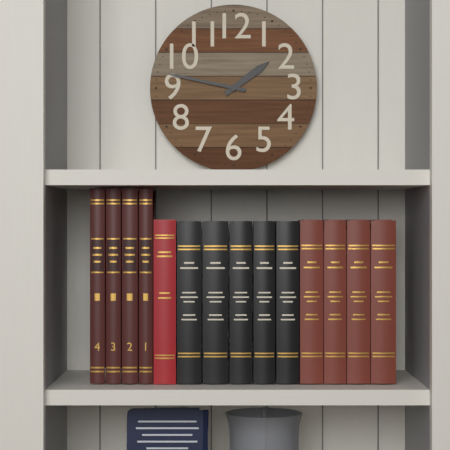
1:47
